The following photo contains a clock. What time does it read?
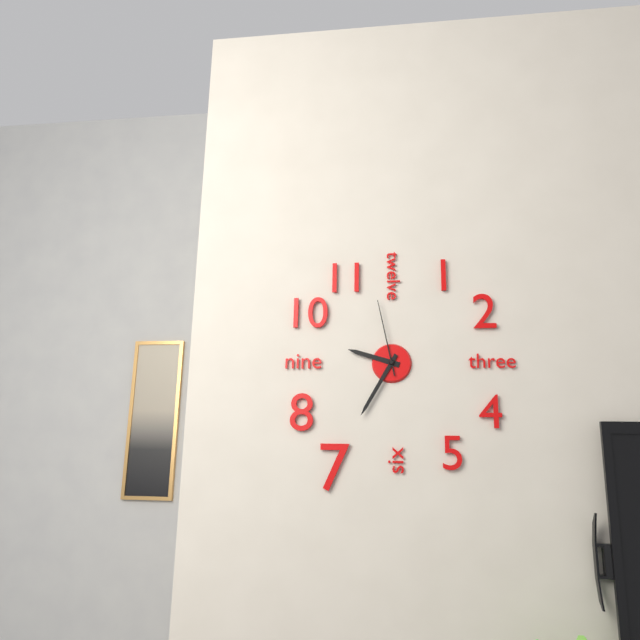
9:35:58
